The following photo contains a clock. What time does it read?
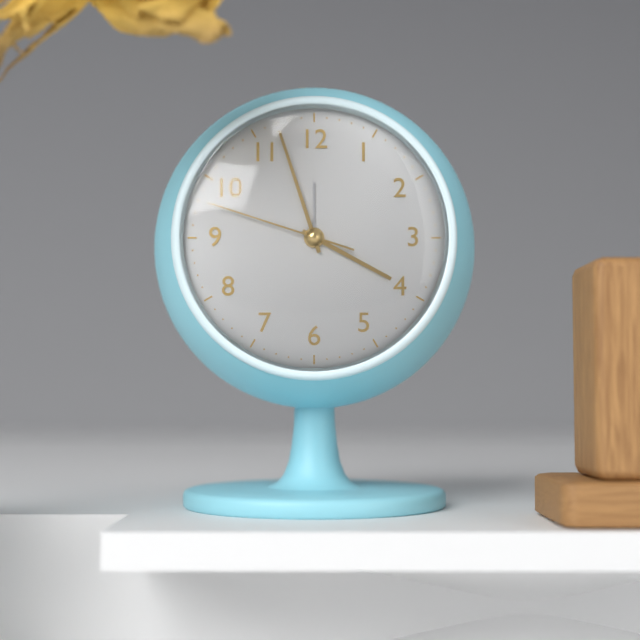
3:57:48
